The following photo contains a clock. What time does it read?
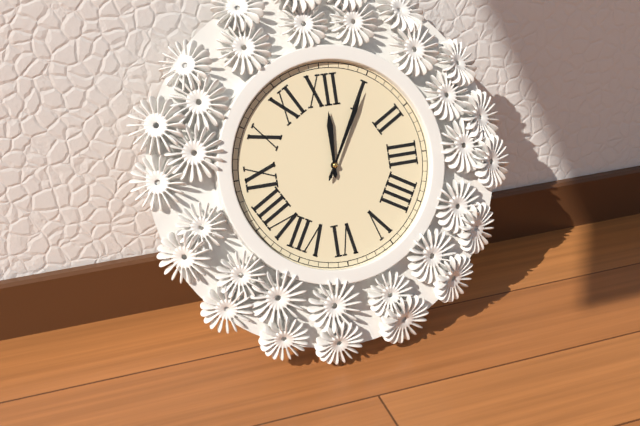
12:05
